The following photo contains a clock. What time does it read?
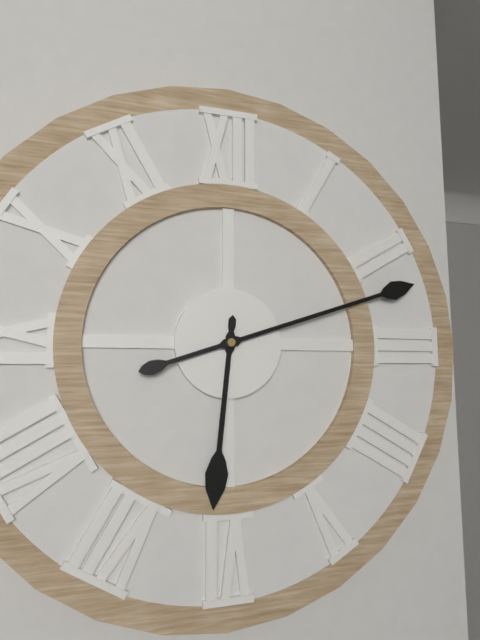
6:12
